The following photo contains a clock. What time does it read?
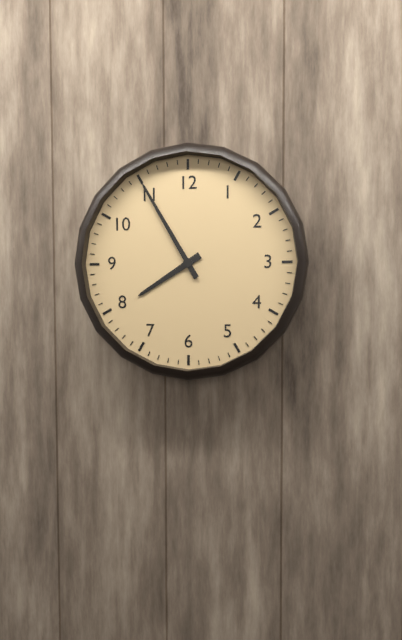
7:55
